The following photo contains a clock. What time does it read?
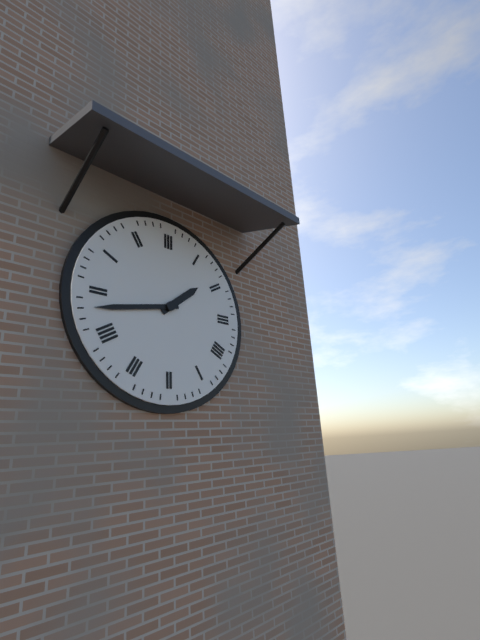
1:43
